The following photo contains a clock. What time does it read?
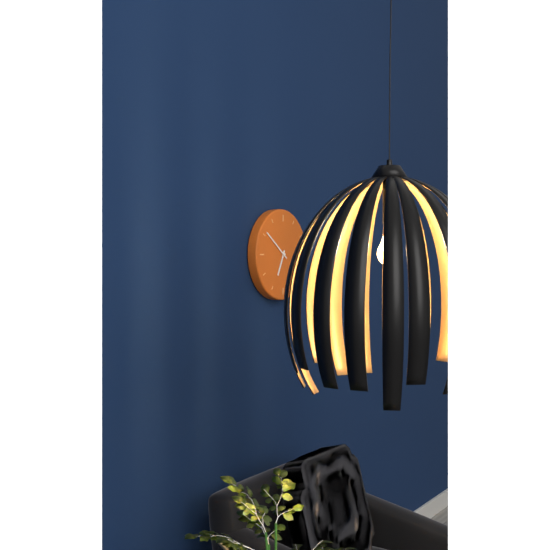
6:51
